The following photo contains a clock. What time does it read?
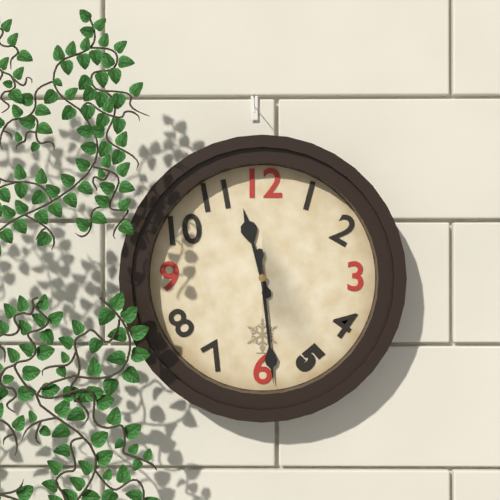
11:29
